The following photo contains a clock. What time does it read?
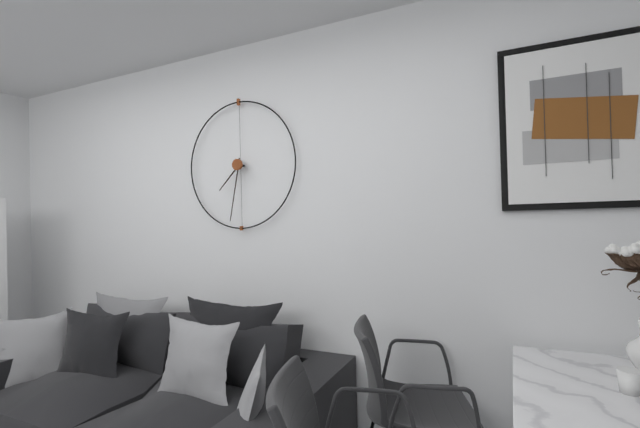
7:32
